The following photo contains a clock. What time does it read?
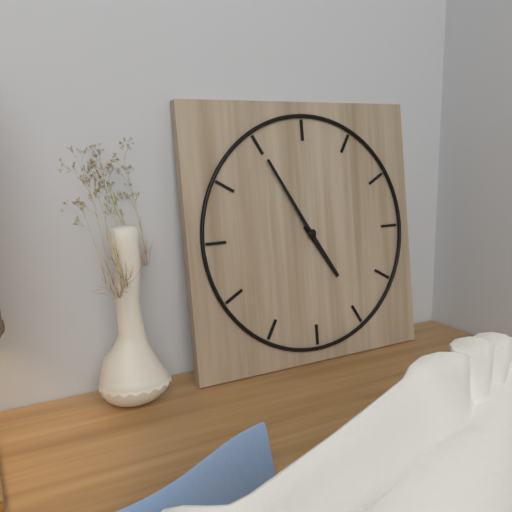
4:55
